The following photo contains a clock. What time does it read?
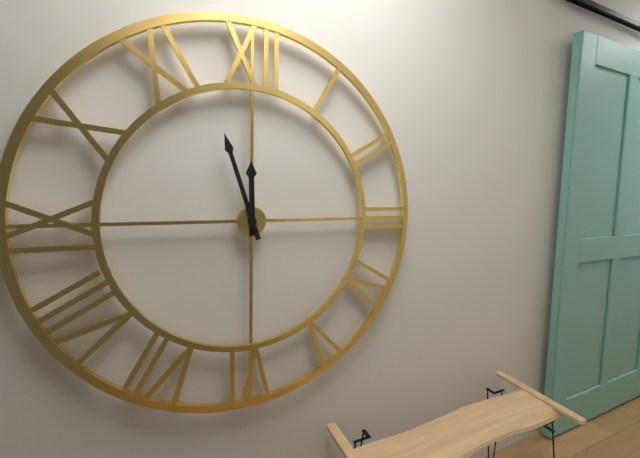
11:57
